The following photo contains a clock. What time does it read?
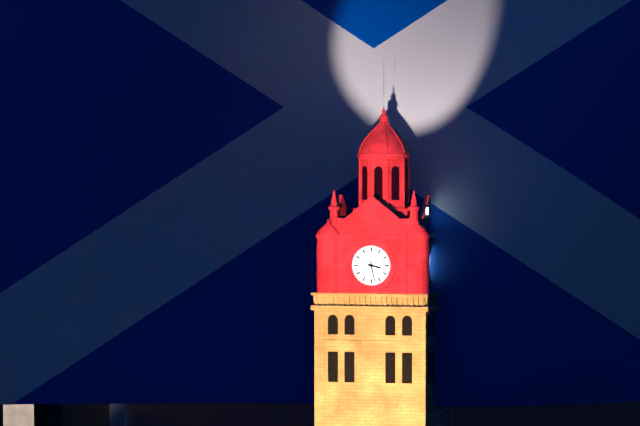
3:28
